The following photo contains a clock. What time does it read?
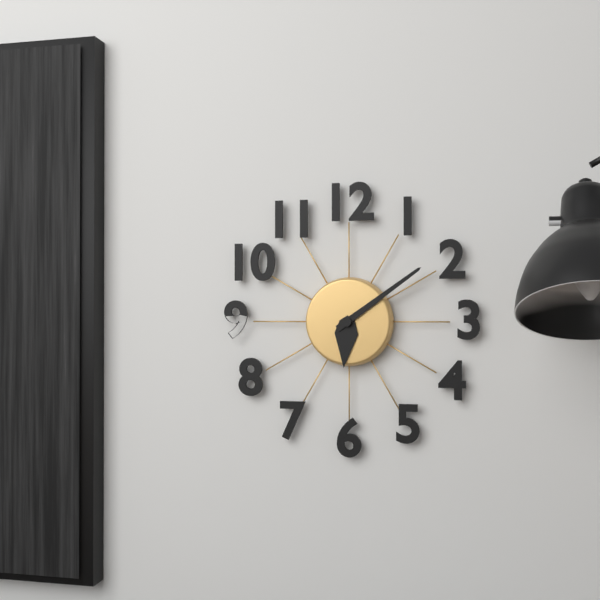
6:09
